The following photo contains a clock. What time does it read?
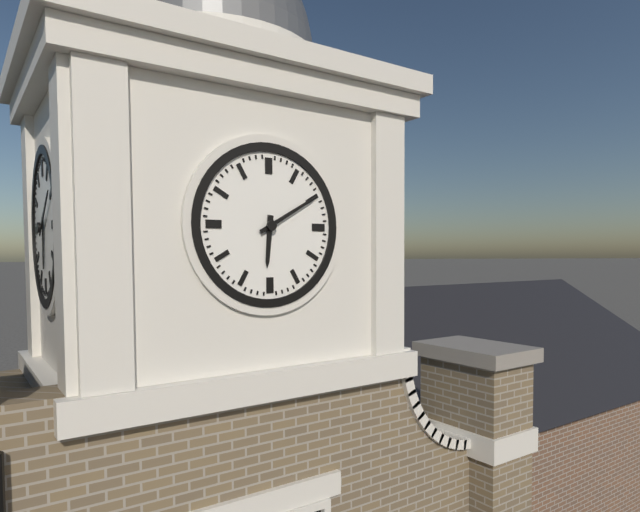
6:10
